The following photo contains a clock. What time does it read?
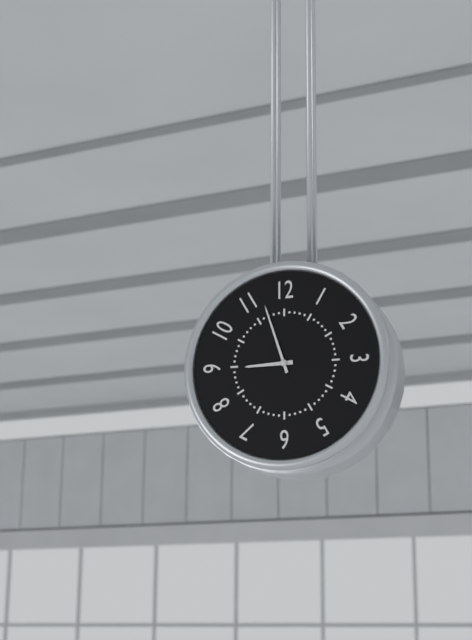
8:57
